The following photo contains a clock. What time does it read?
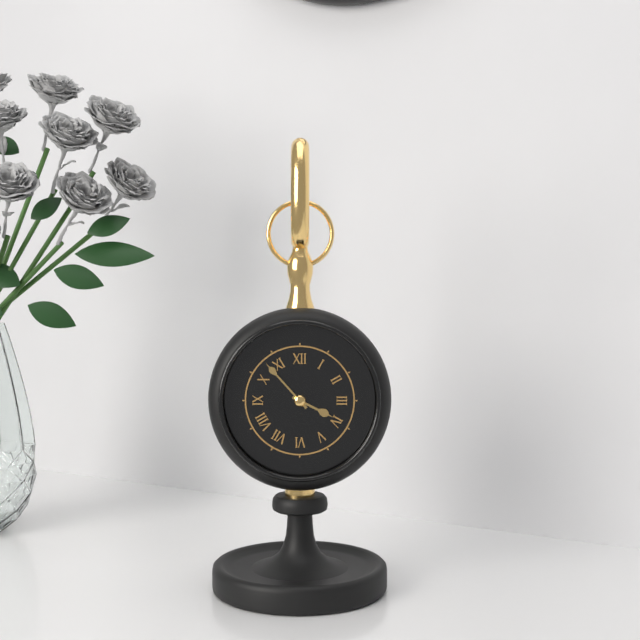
3:53
